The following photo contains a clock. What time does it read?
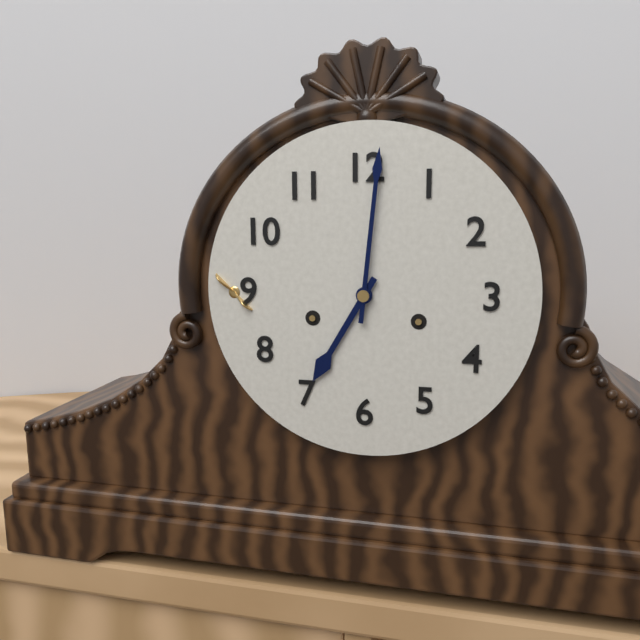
7:01
